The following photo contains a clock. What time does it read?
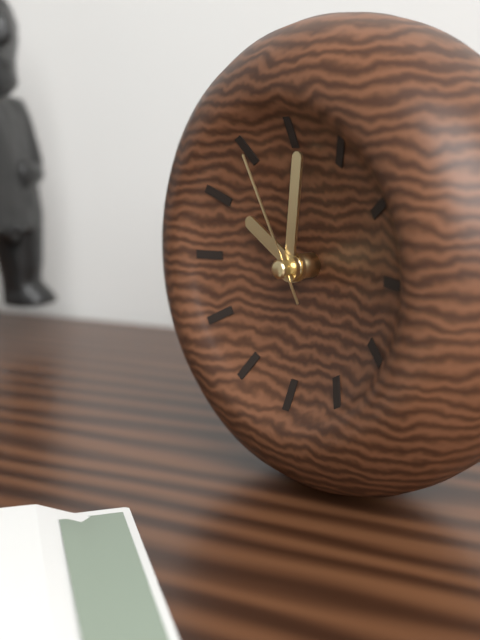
10:01:55
